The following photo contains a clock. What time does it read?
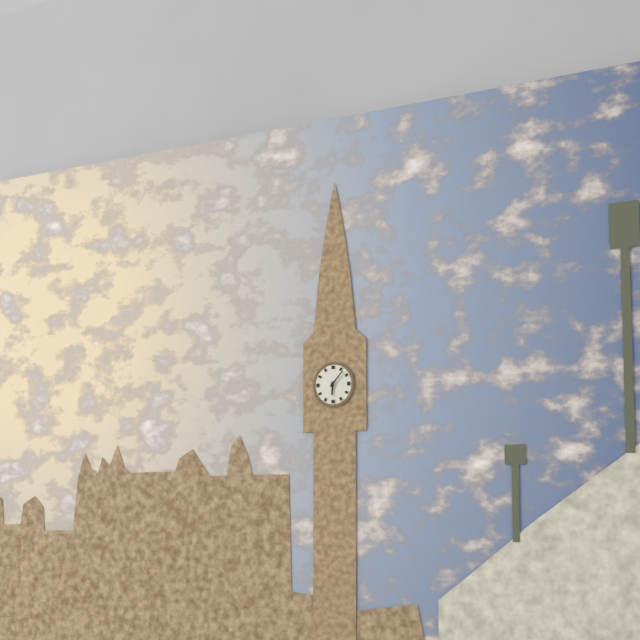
6:07
